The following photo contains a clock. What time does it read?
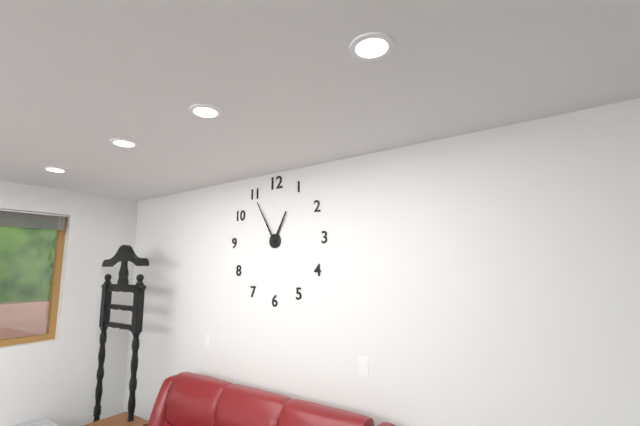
12:55
